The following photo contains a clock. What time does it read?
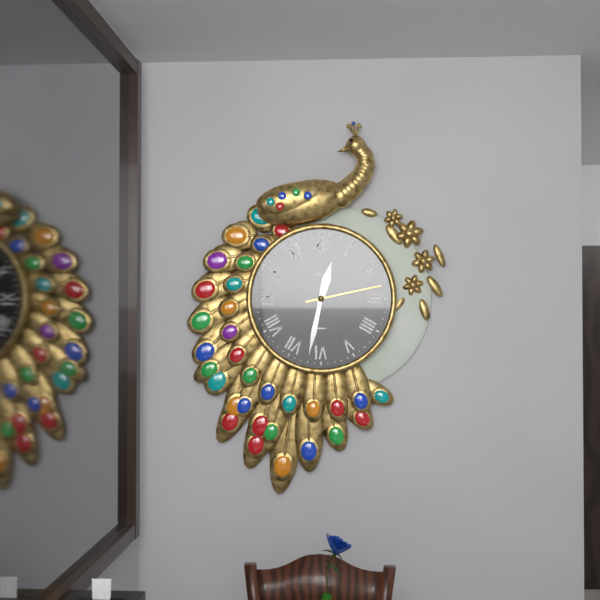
12:32:13
